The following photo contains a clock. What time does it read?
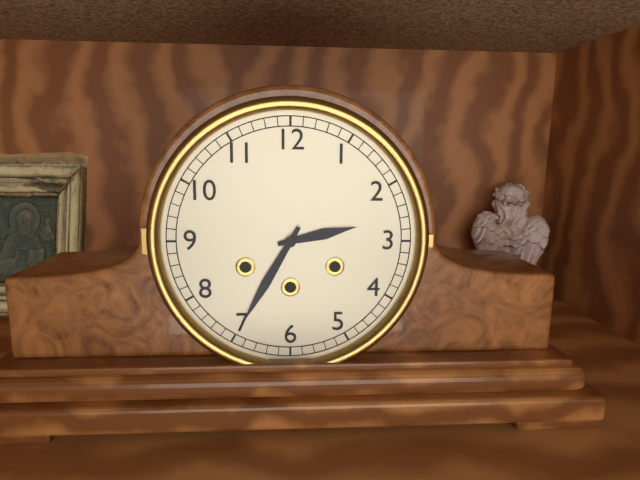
2:35
